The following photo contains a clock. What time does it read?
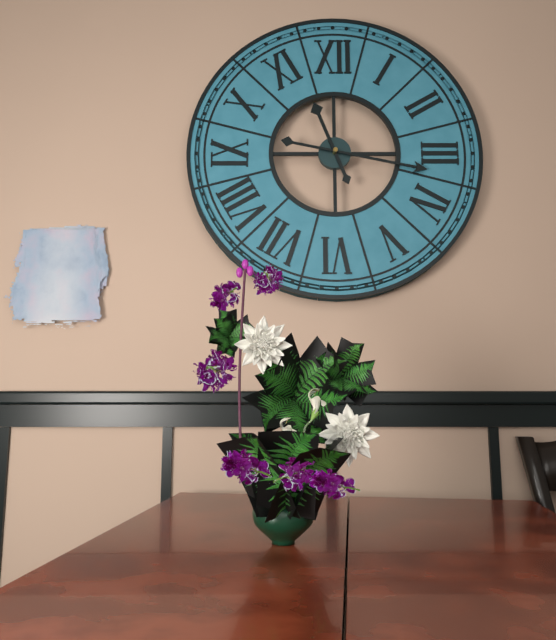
11:17
